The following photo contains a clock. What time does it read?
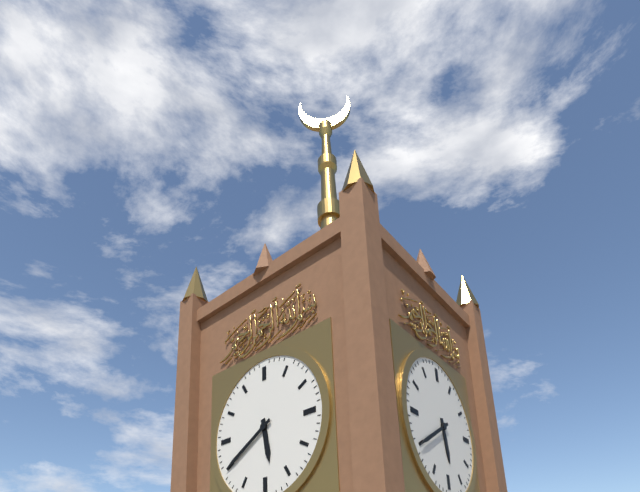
5:40
